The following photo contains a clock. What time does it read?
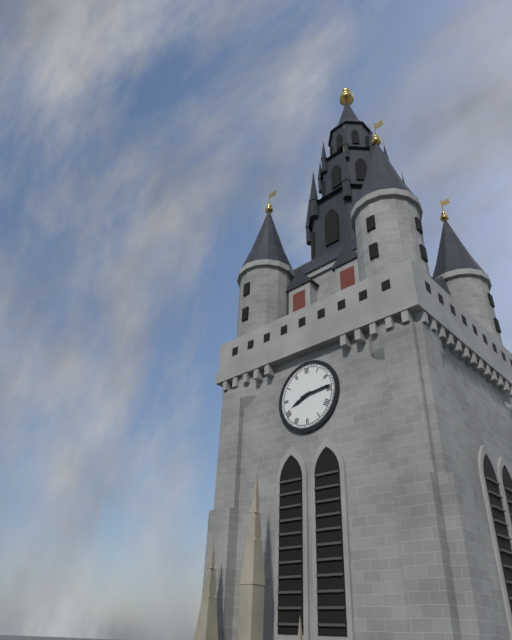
8:14
